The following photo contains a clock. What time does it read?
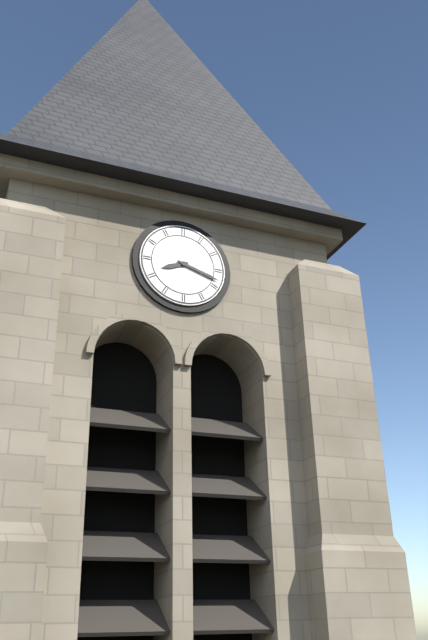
8:18
